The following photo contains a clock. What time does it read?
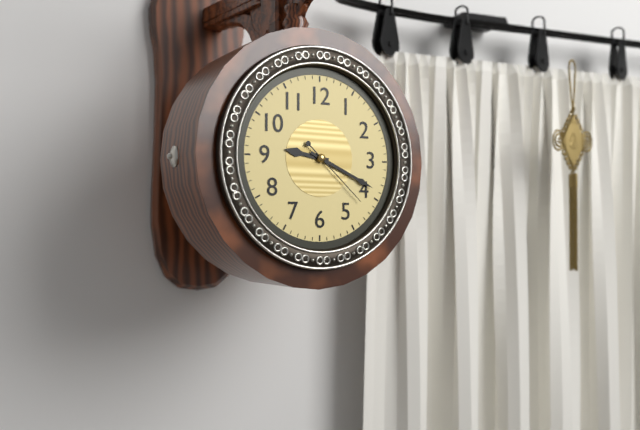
9:19:22
